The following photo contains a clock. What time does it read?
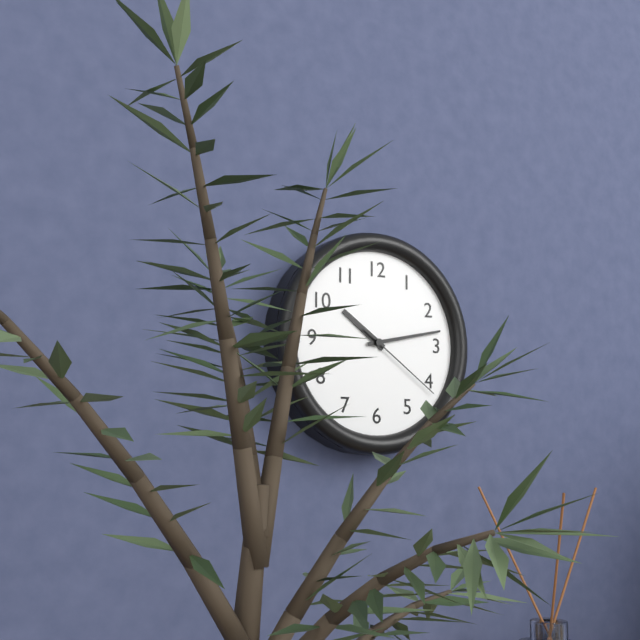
10:13:21
